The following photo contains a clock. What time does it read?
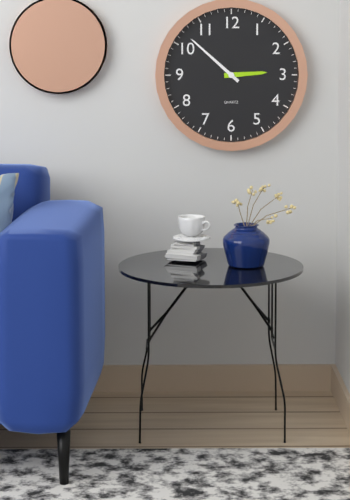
2:52
